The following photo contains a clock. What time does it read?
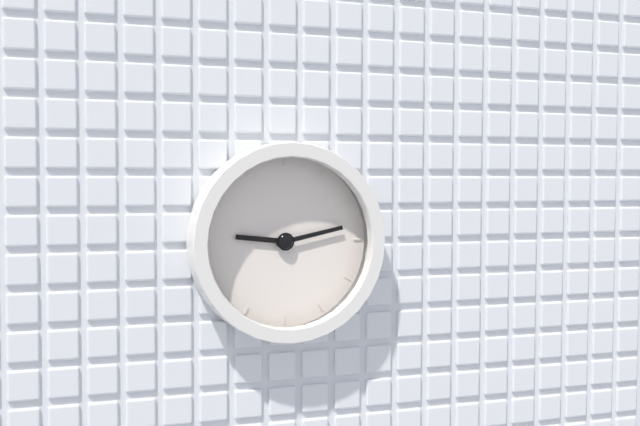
9:13
